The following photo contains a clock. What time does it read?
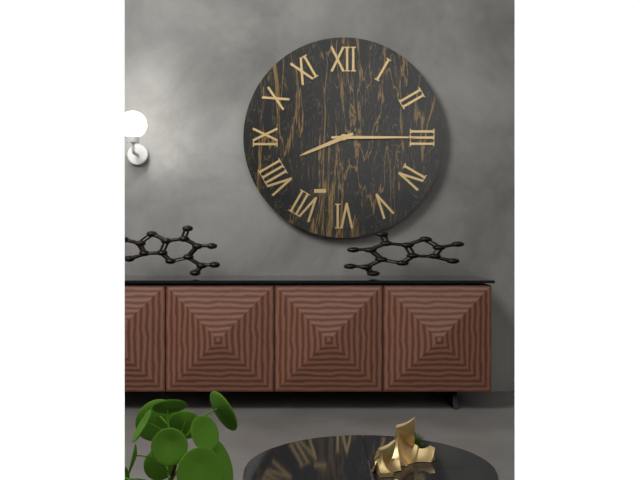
8:15
